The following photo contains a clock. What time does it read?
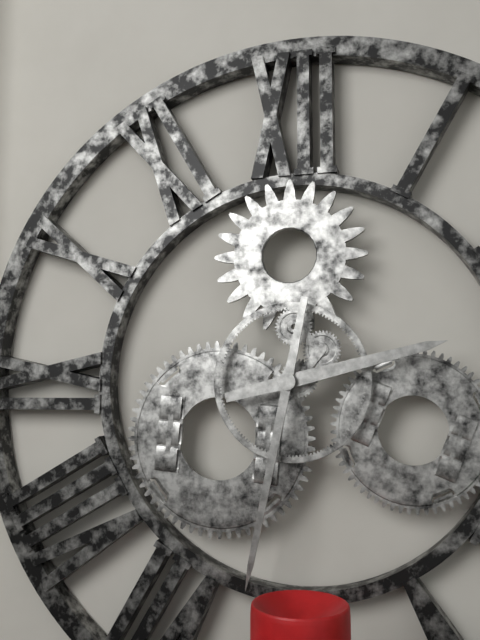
2:32
